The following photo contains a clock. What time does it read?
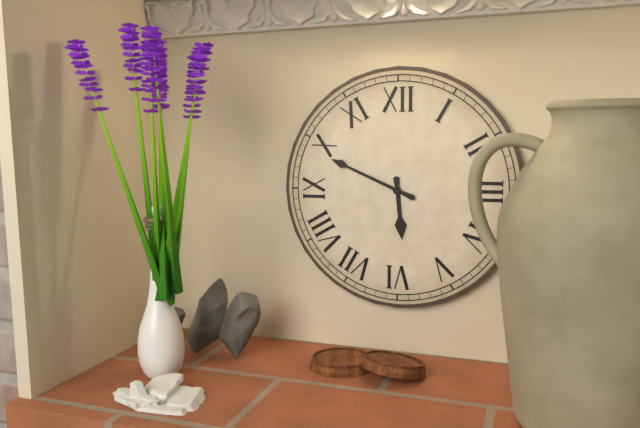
5:49
